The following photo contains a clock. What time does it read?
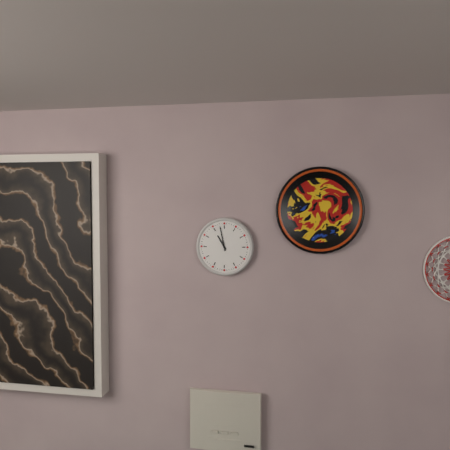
10:58
